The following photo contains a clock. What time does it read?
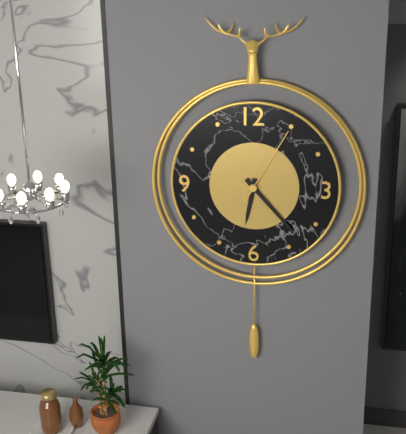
6:23:05
